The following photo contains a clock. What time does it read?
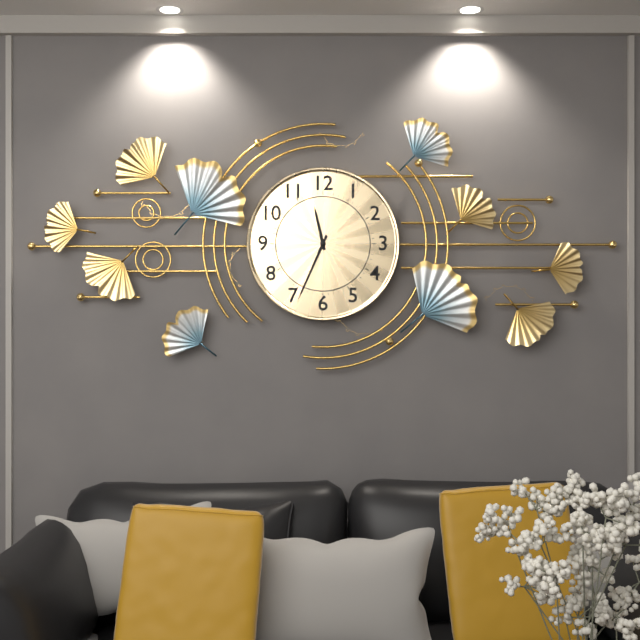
11:34
